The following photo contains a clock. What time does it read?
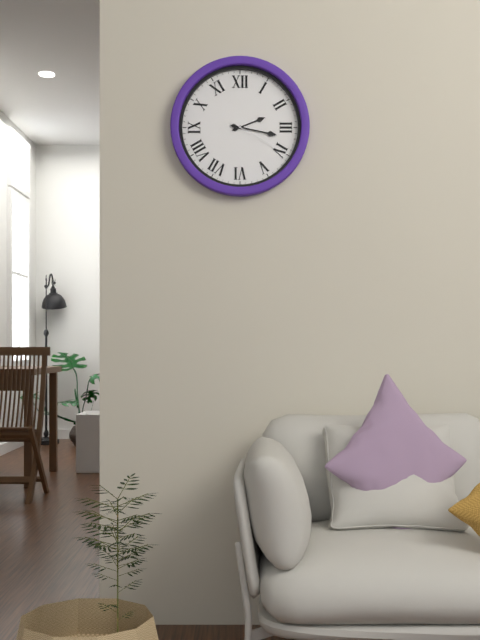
2:17:20
